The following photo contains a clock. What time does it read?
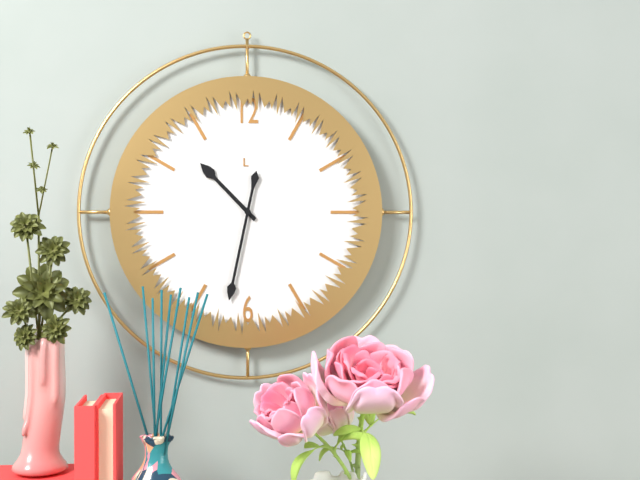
10:32
